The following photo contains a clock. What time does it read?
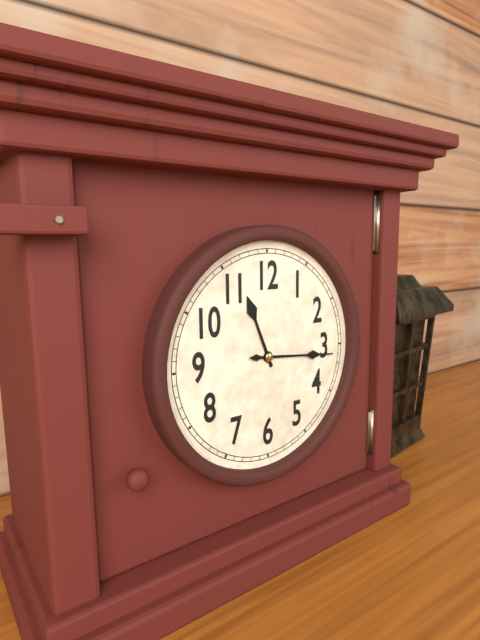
11:16
